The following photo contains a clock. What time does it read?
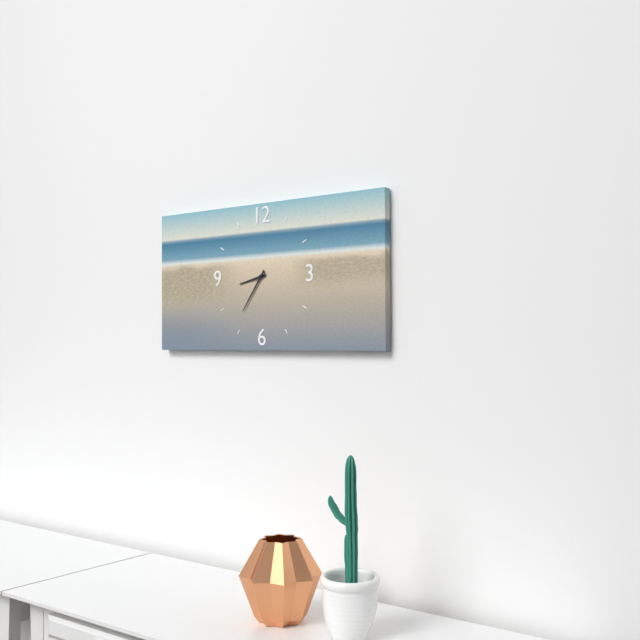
8:36
